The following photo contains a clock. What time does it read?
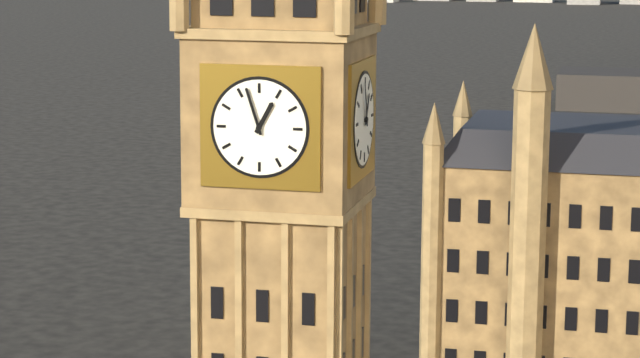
12:57
